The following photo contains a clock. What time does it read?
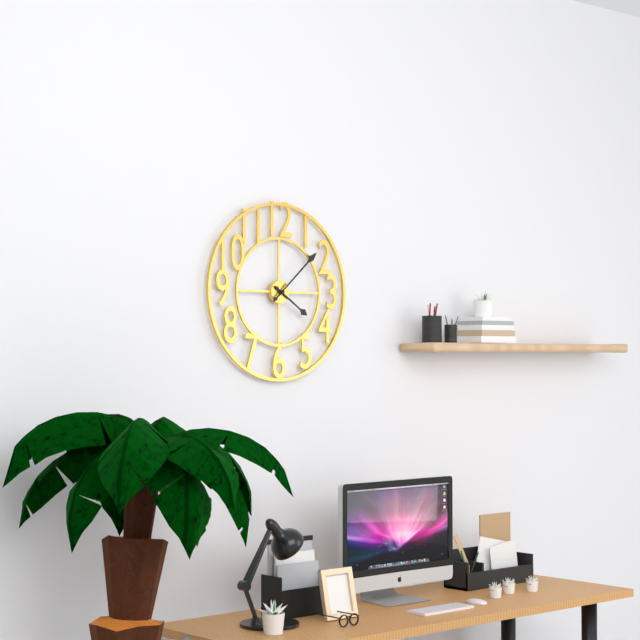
4:08
